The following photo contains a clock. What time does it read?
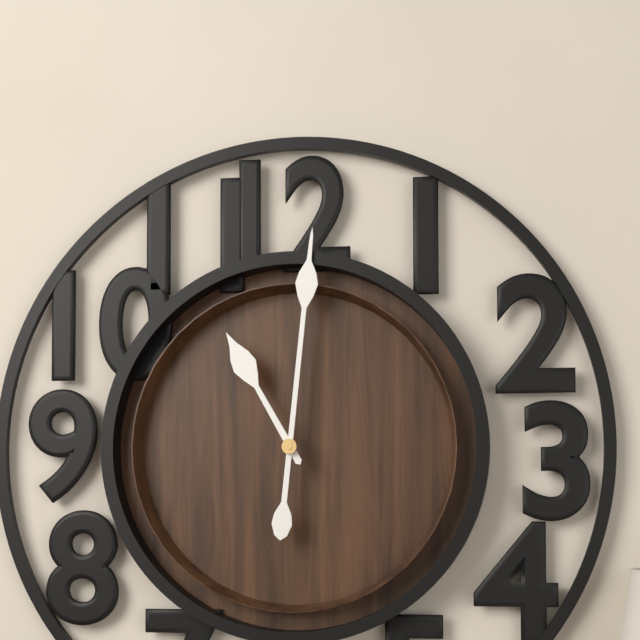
11:01
